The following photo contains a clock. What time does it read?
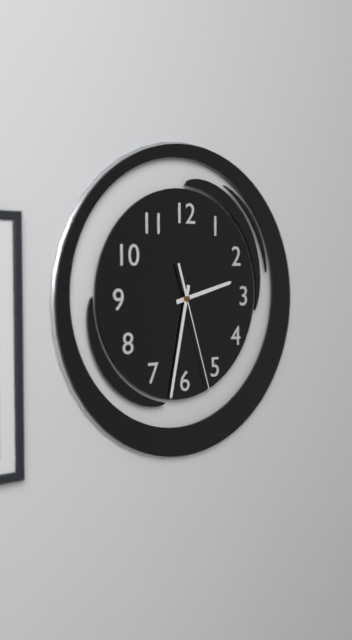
2:32:27
